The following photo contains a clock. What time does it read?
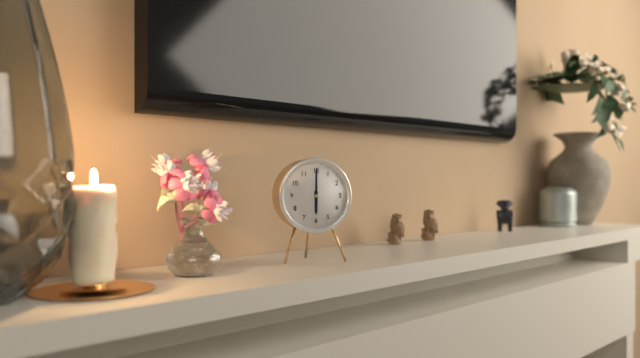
6:00
